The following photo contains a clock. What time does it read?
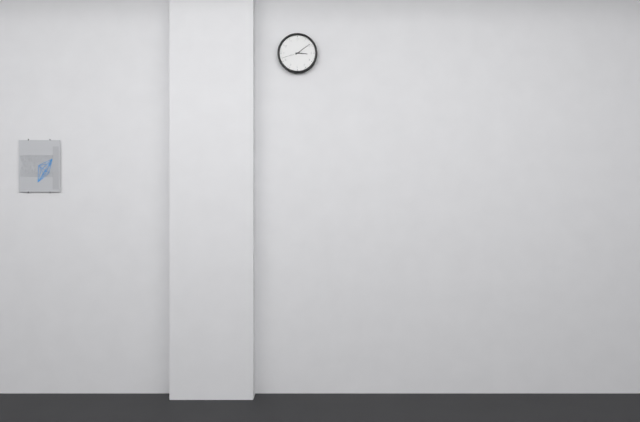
3:09
